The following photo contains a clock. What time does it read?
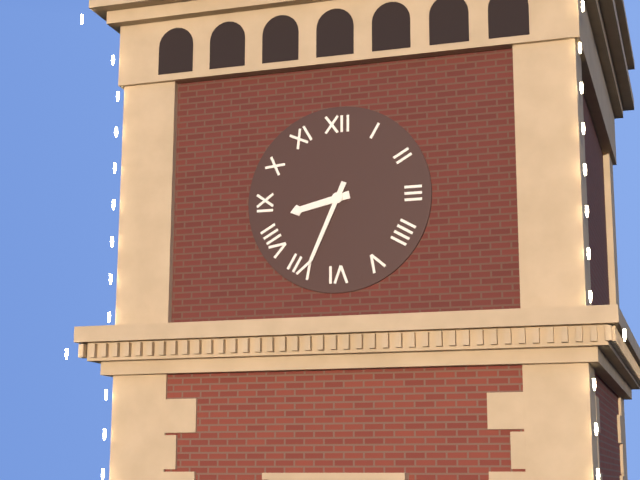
8:34
